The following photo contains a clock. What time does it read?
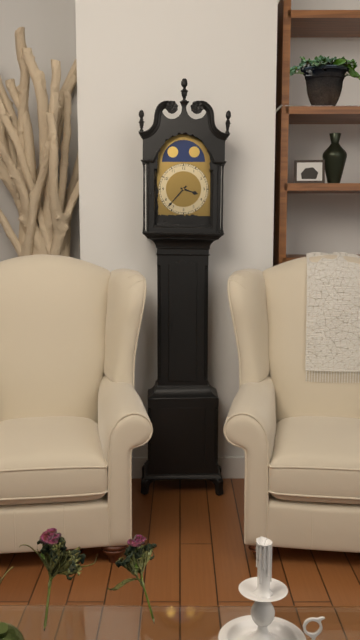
3:37
